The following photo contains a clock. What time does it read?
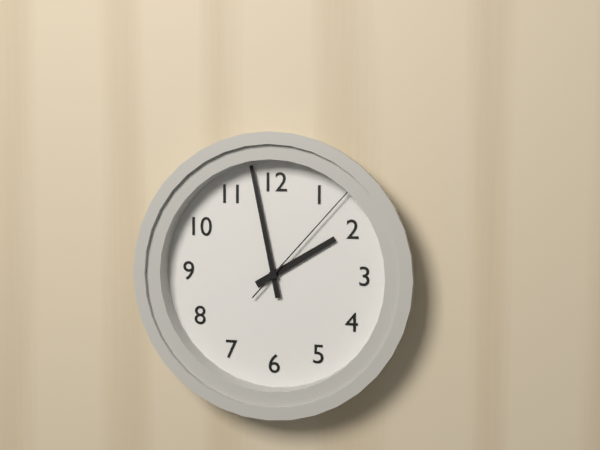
1:58:07
